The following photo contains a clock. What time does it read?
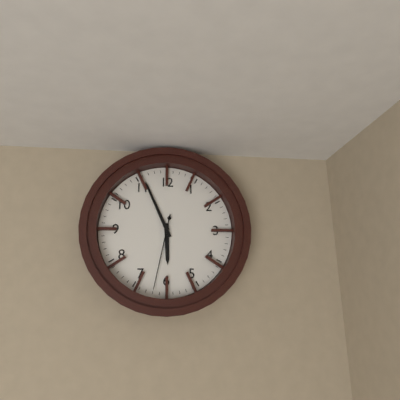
5:56:32
